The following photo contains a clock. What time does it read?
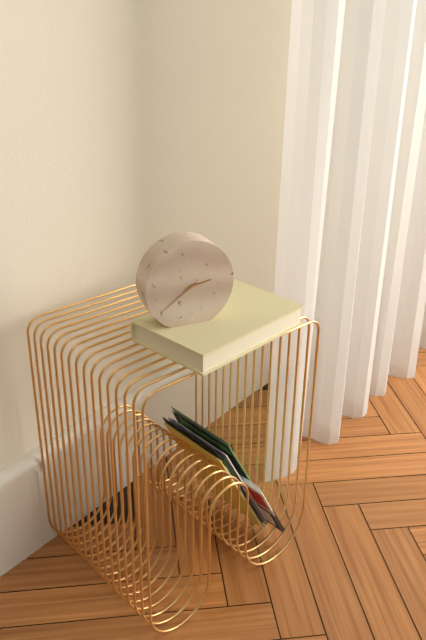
2:39
